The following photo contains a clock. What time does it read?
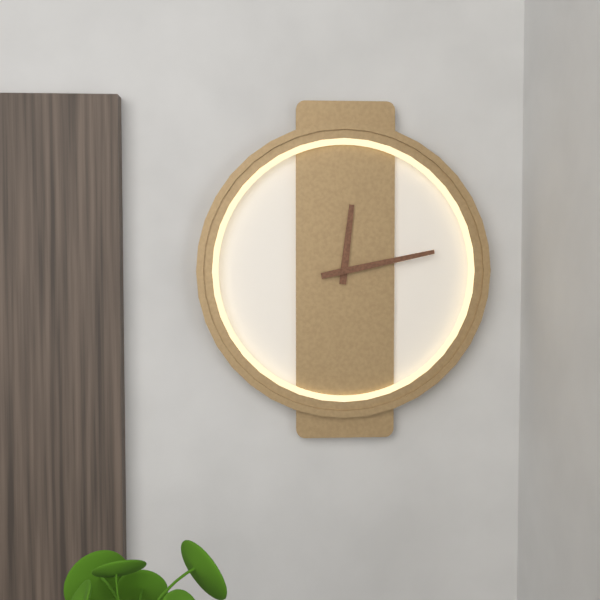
12:13
